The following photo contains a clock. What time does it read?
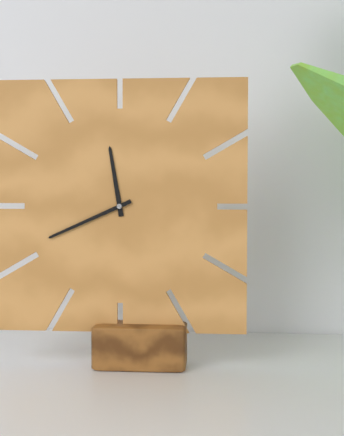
11:41
